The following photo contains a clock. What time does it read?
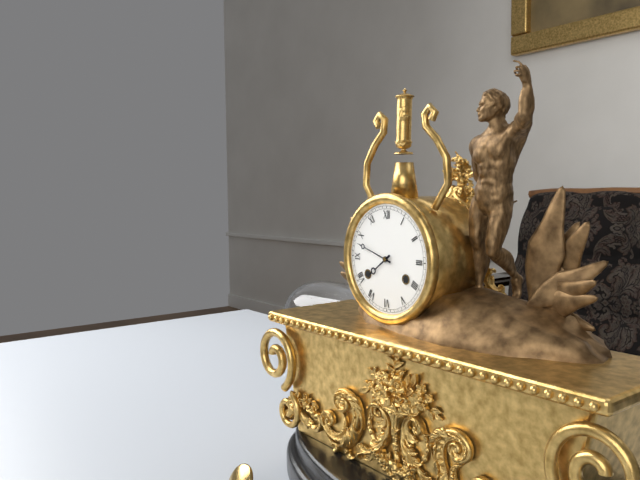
7:48
